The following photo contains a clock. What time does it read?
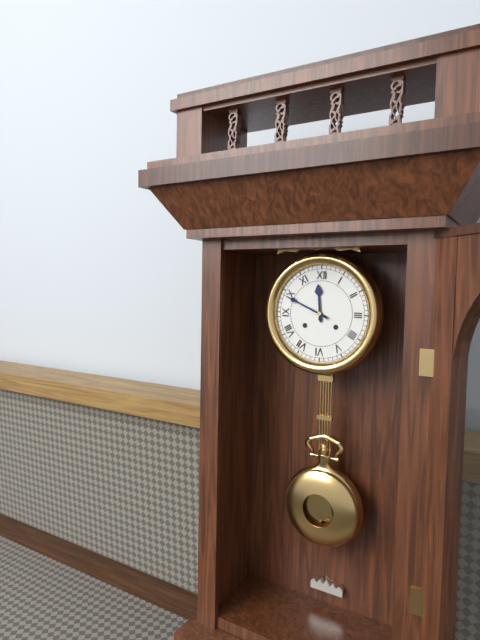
11:49
